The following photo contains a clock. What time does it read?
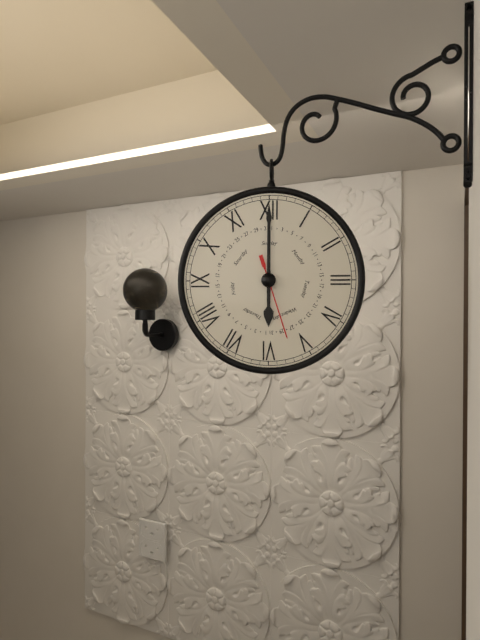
6:00:27
